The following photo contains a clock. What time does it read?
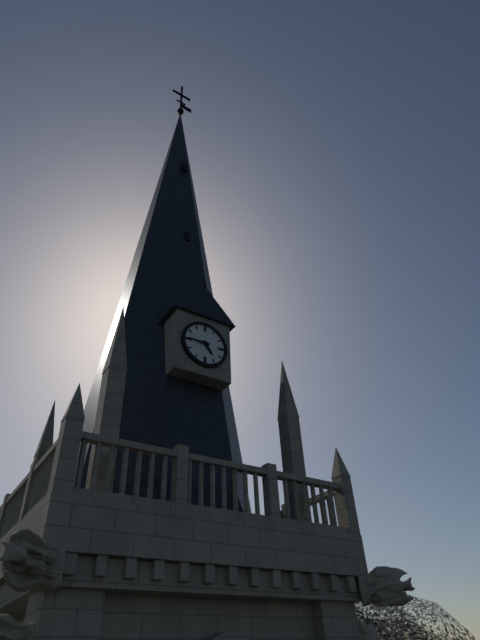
4:45
